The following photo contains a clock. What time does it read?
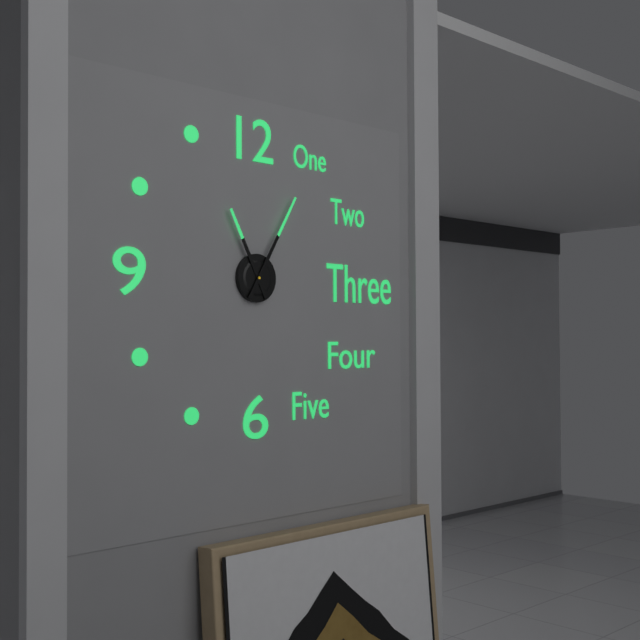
11:05
